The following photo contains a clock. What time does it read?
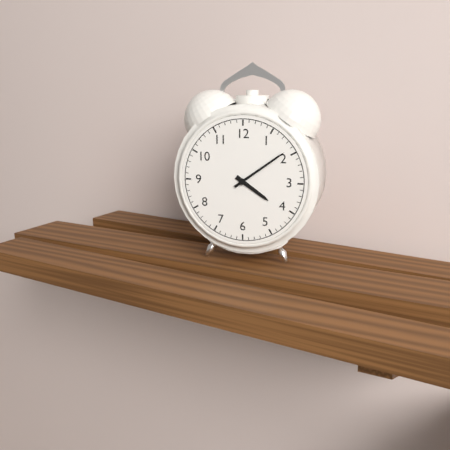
4:09
